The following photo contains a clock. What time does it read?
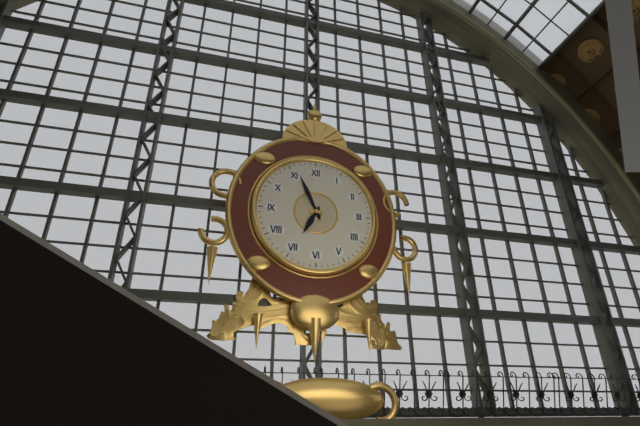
6:56
